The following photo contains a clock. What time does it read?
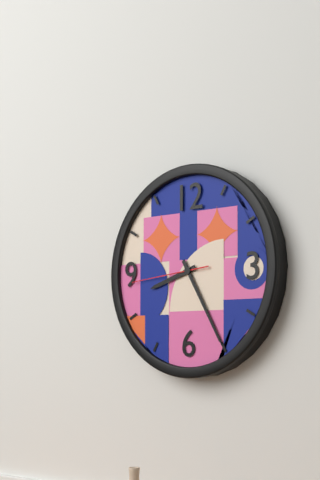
8:25:44
